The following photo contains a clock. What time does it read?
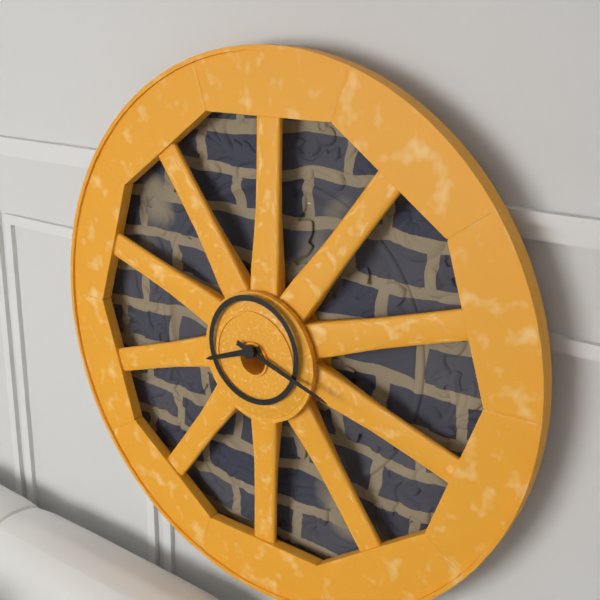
8:18
